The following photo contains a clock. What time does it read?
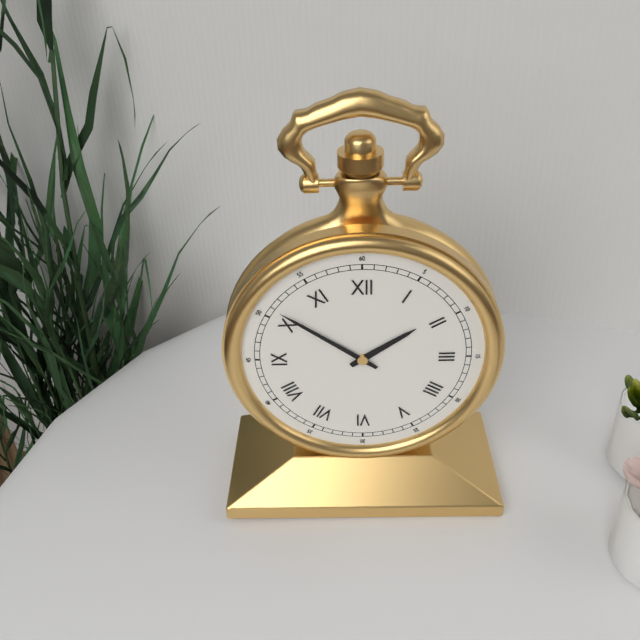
1:51
